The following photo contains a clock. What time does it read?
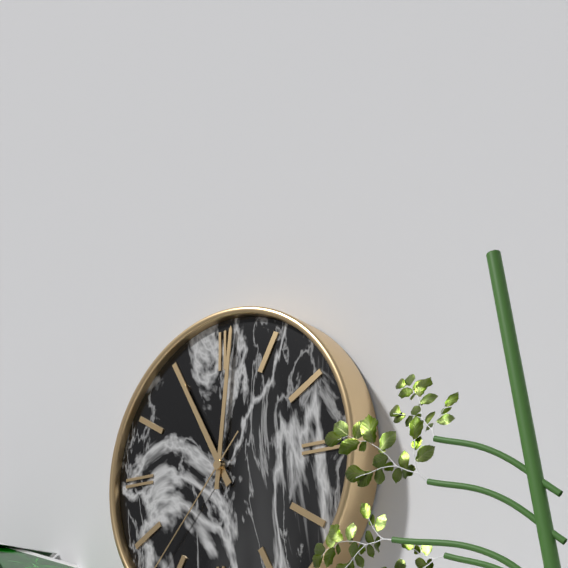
11:01
